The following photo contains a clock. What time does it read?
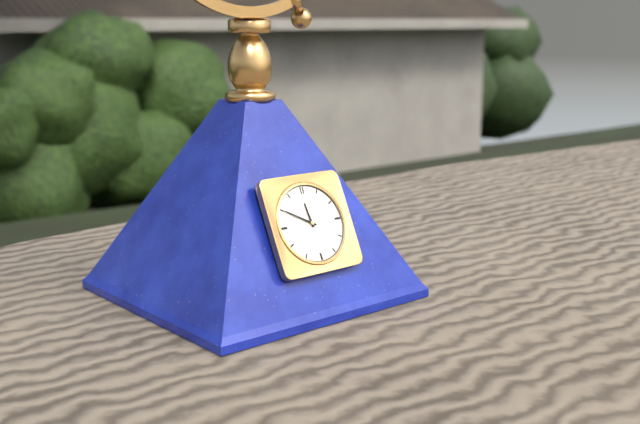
11:50
